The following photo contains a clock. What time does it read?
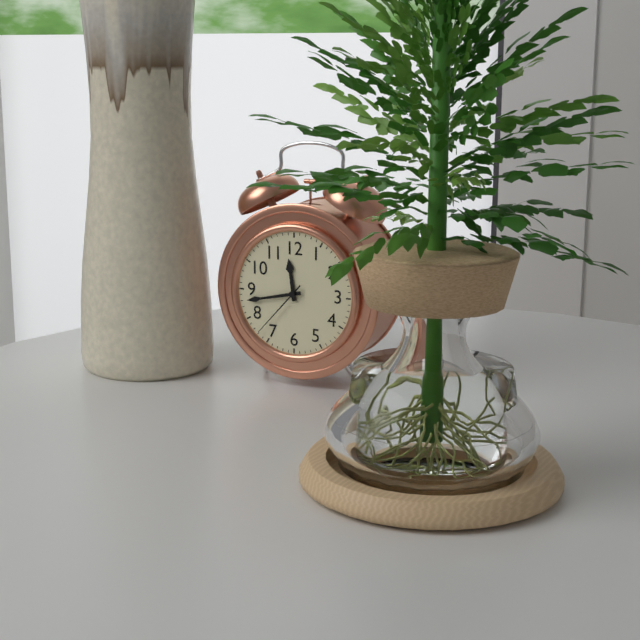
11:43:37
